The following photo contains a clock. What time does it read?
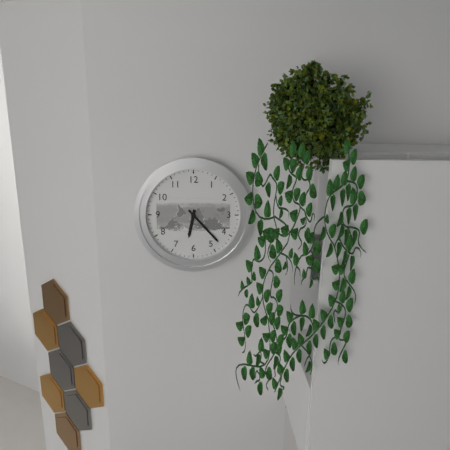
6:23
